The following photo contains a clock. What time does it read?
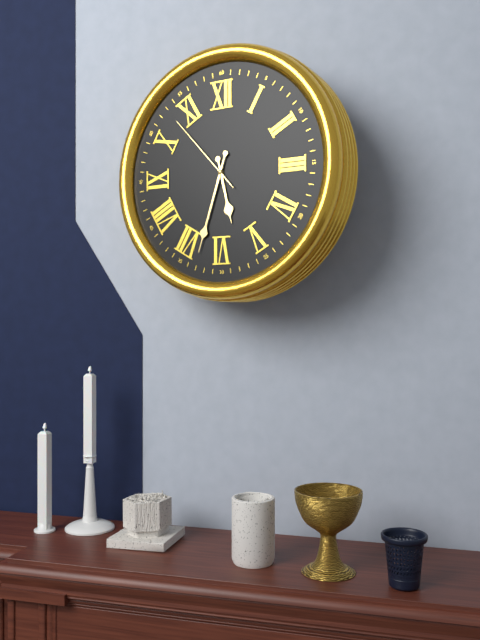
5:33:53
